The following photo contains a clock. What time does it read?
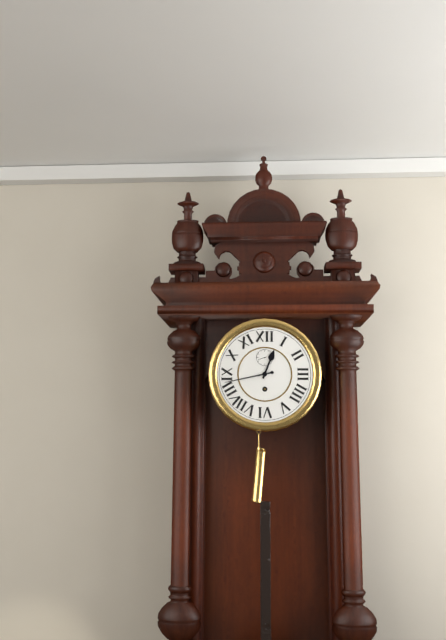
12:43
